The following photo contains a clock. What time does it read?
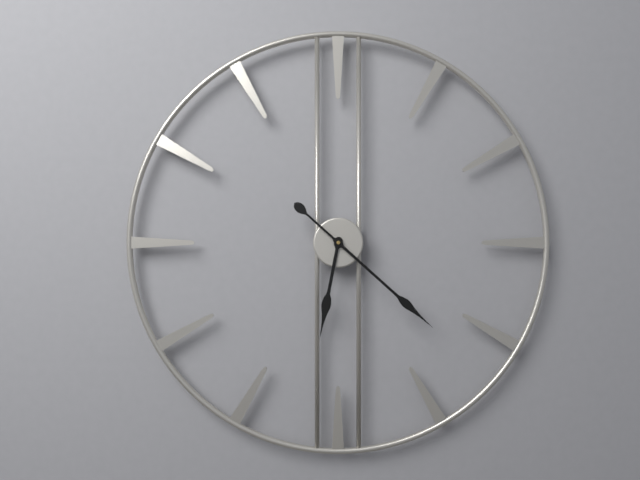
6:22
